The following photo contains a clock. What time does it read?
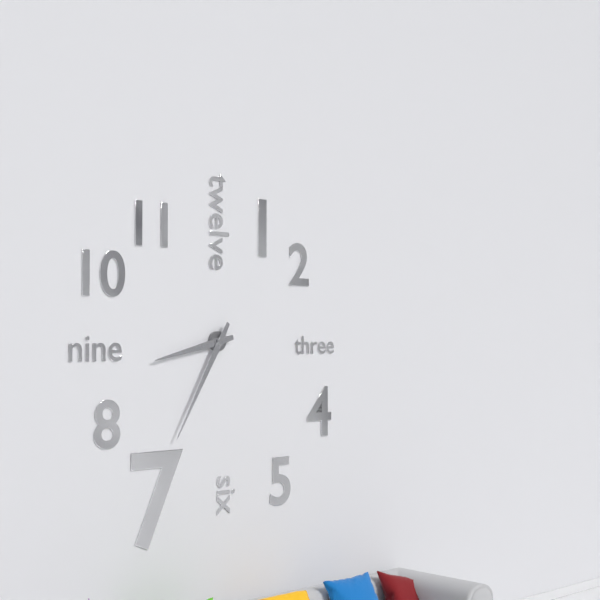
8:35
